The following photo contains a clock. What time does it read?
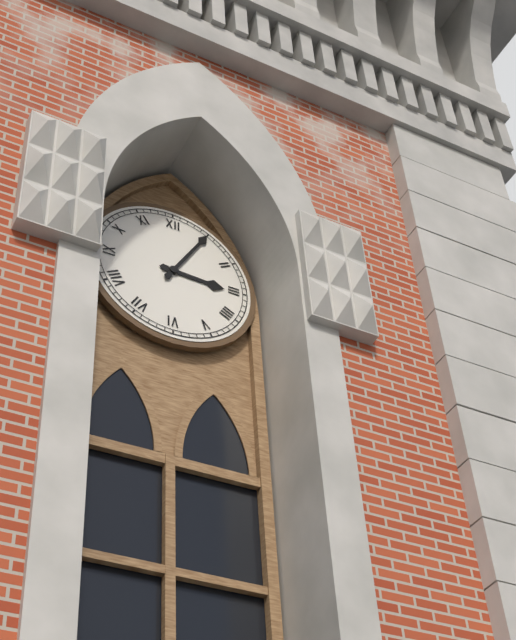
3:05
